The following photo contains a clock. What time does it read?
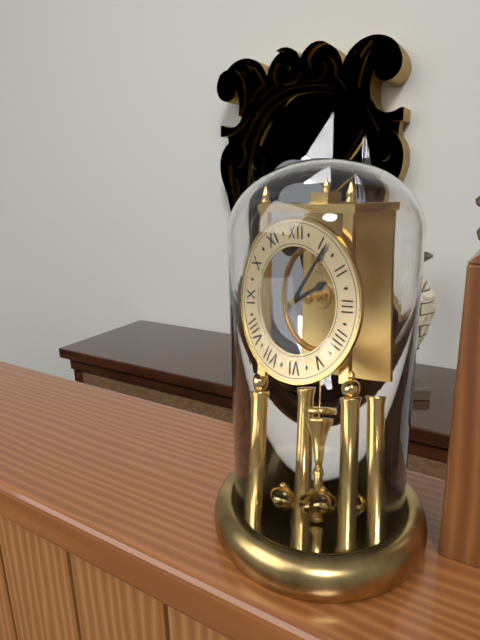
2:06
